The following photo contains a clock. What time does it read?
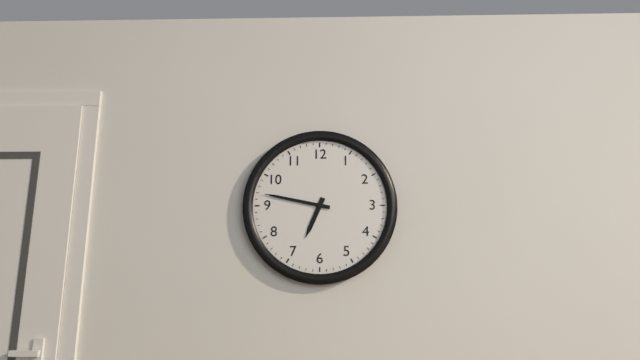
6:47
